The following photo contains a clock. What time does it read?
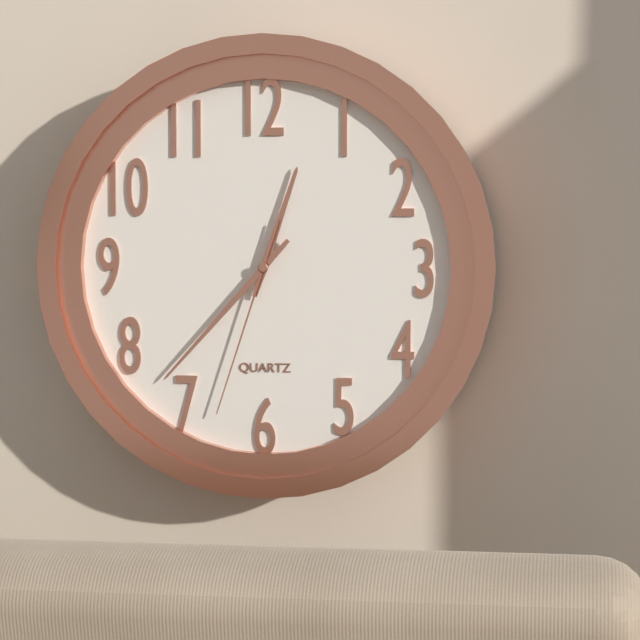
12:37:33
